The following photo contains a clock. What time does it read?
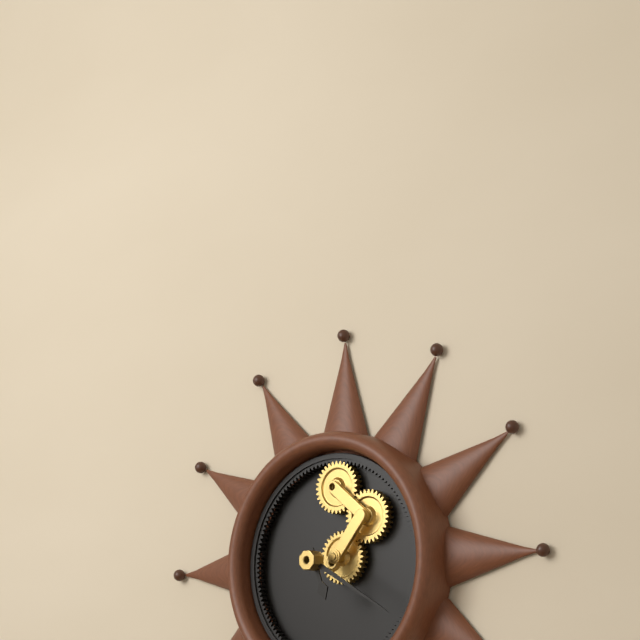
5:20
